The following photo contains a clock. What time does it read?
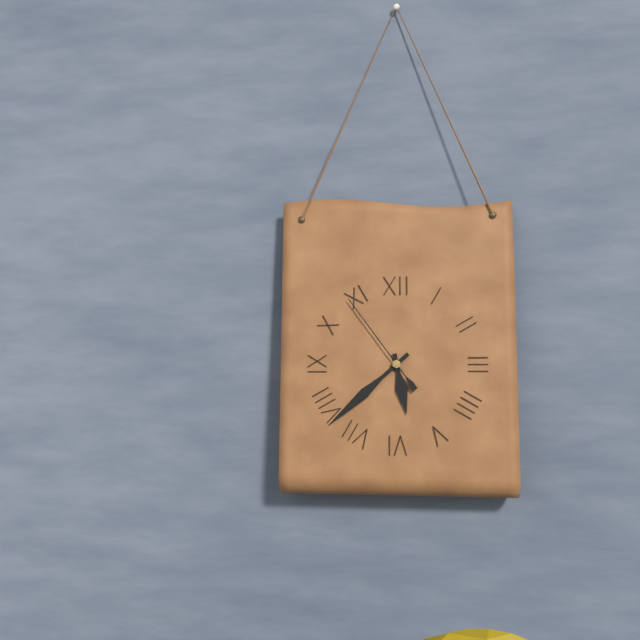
5:38:54
